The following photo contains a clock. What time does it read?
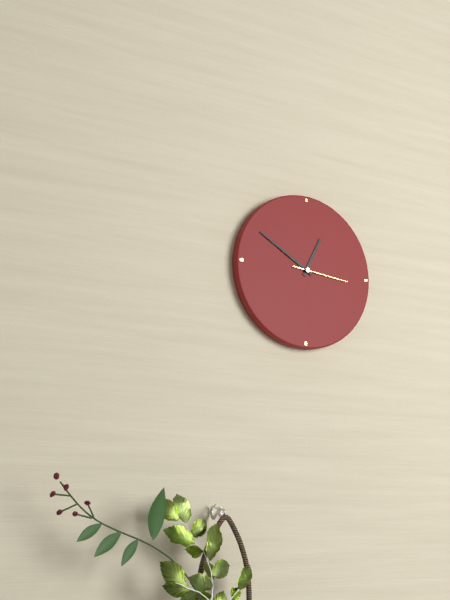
12:50:16
